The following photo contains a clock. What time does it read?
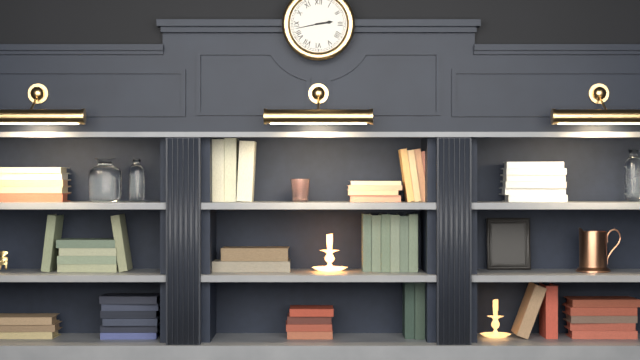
2:43
